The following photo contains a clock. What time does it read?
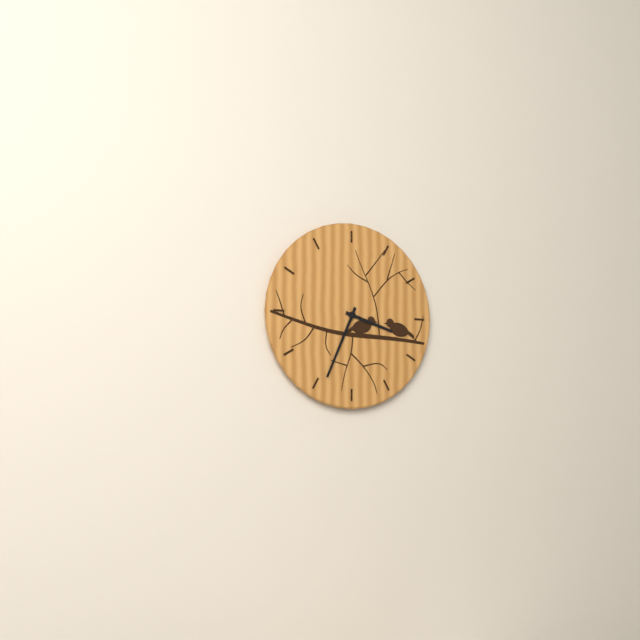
3:34
